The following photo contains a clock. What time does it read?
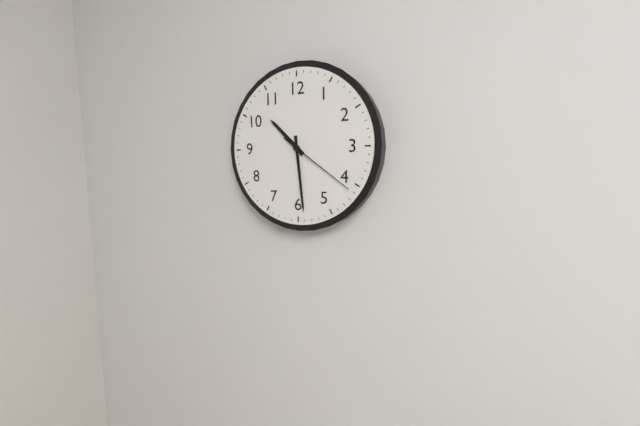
10:29:21
